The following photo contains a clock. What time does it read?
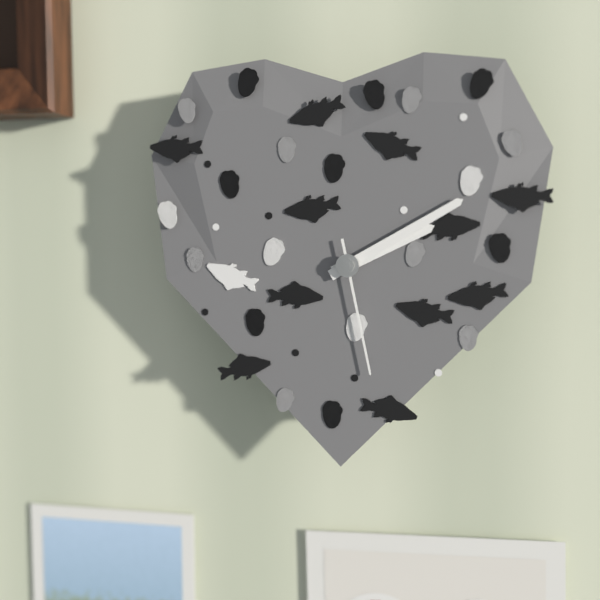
2:10:28
